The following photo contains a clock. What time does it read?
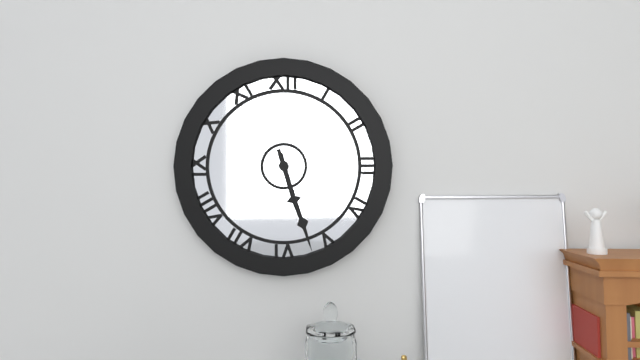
5:27
